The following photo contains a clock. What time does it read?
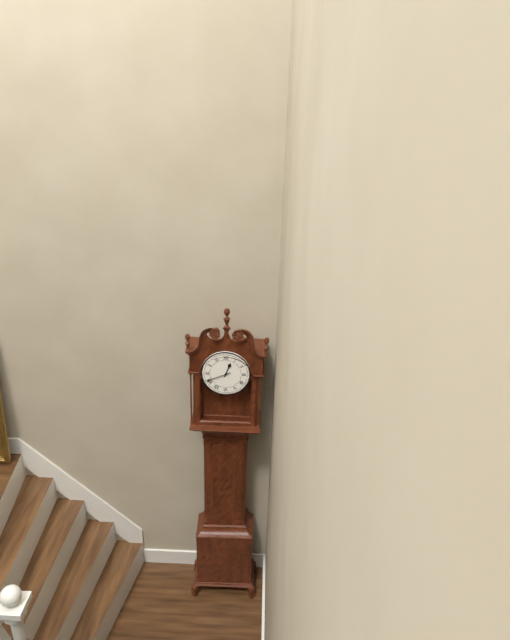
12:41
